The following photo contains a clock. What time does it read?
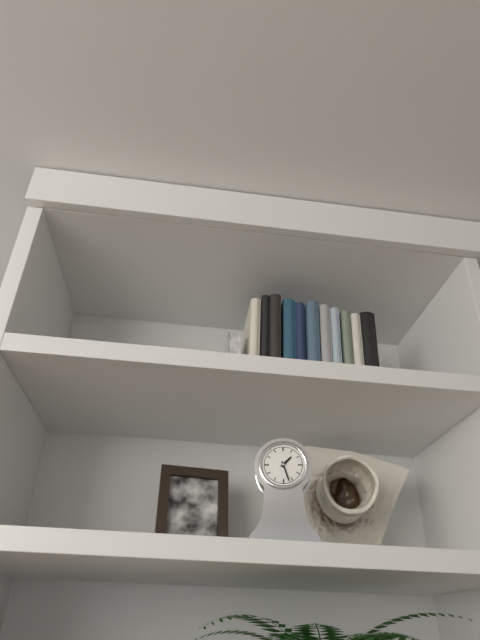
1:27
